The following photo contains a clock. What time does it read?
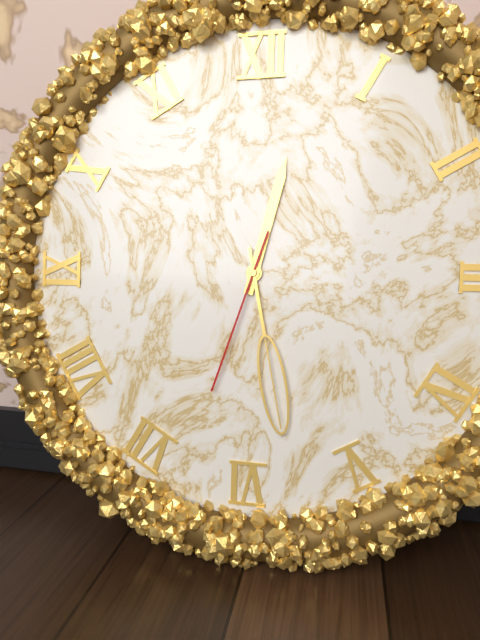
12:28:33
